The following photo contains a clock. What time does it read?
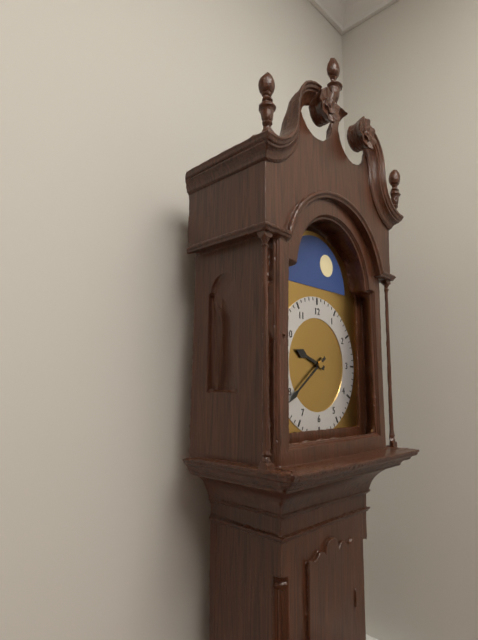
9:39
